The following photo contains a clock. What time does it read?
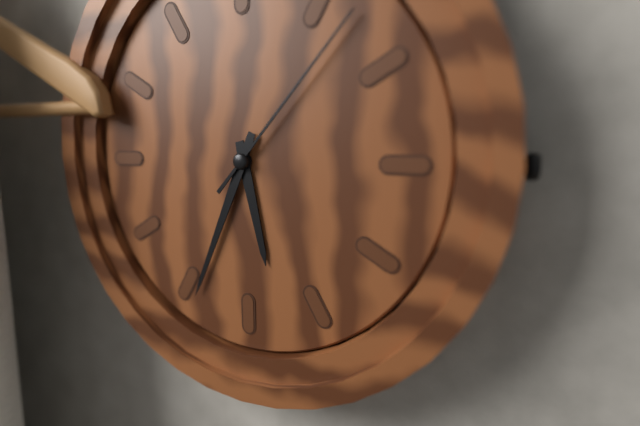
5:34:07
